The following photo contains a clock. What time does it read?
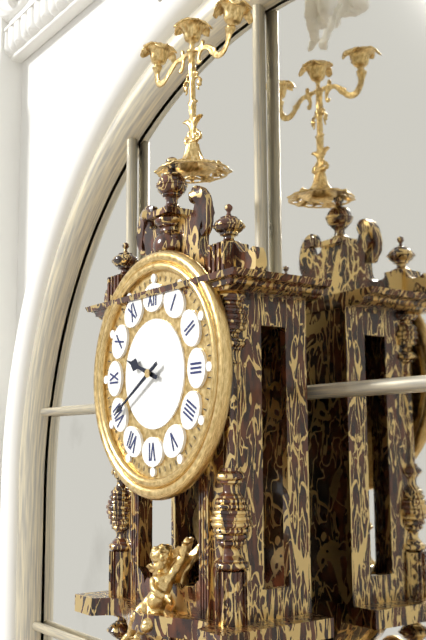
9:40
